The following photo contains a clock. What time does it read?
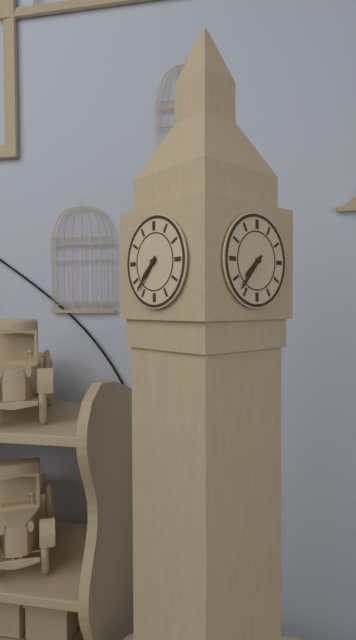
7:37
